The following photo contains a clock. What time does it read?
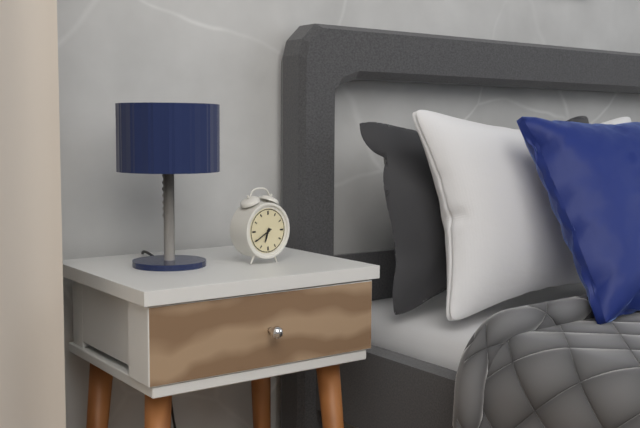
6:40
